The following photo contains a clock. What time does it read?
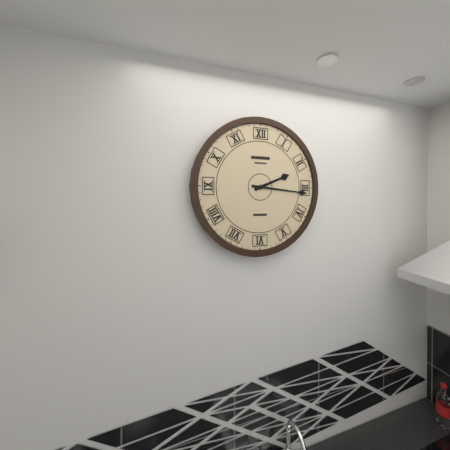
2:16
